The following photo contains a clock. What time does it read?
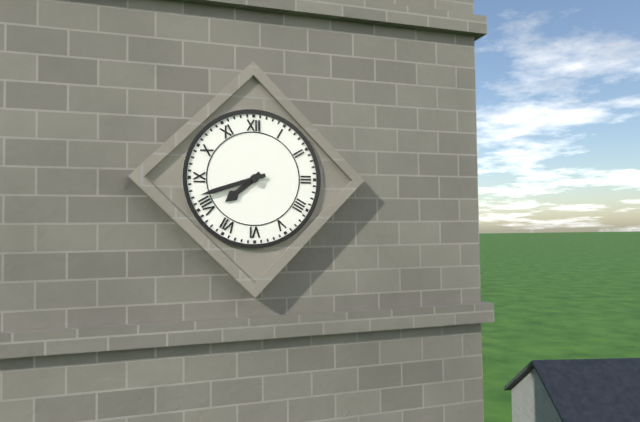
7:42
